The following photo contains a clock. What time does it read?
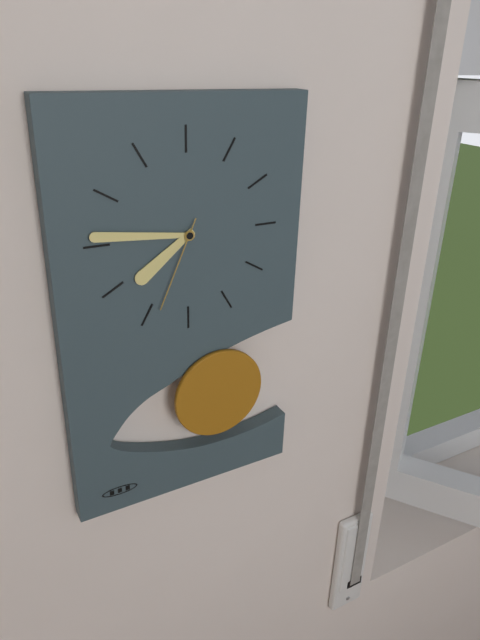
7:46:34
